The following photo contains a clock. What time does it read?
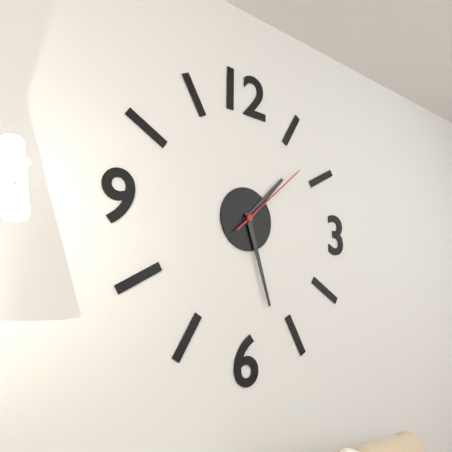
1:27:08
